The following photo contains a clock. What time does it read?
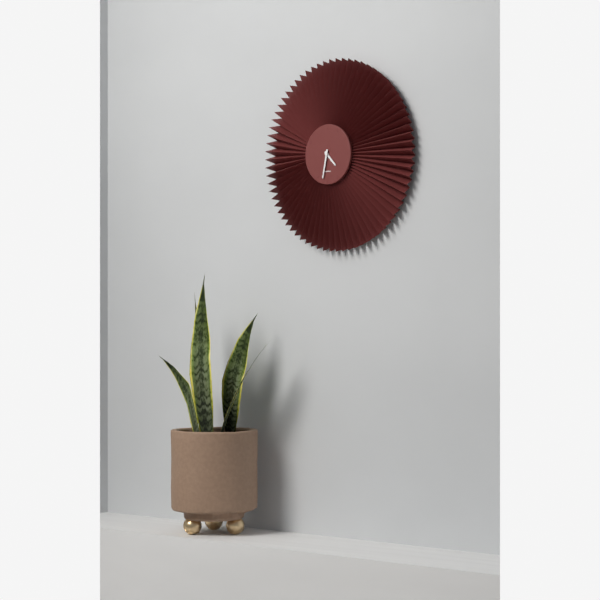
4:32
